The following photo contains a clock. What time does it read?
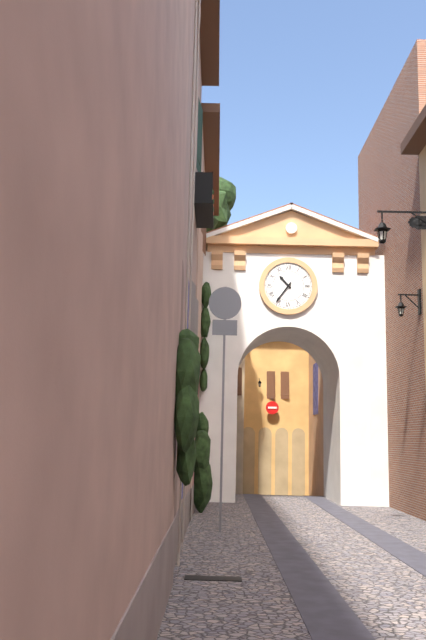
10:36
